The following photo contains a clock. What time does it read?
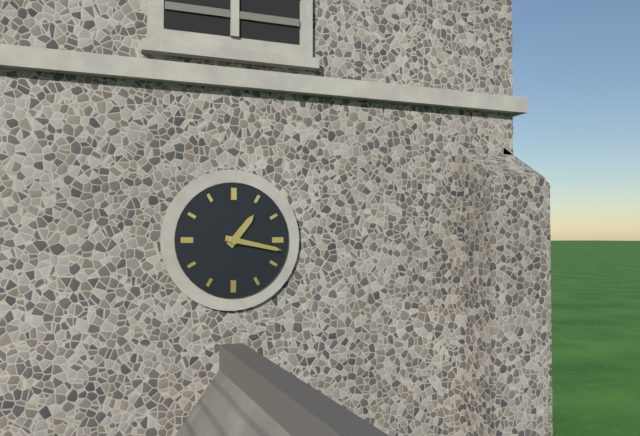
1:17
